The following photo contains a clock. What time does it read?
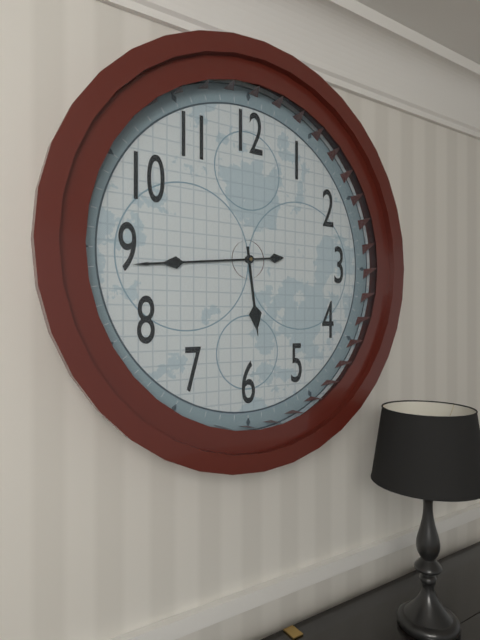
5:44
